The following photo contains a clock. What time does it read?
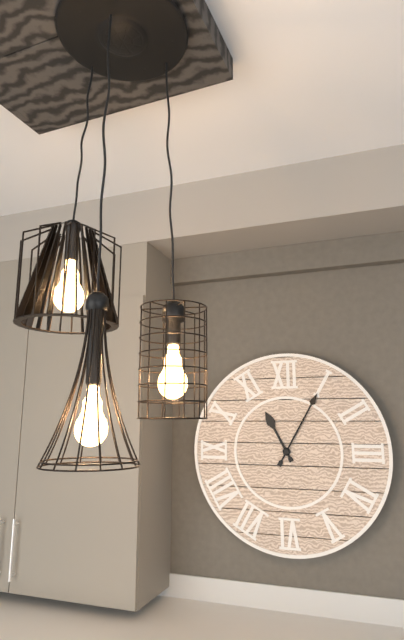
11:05
